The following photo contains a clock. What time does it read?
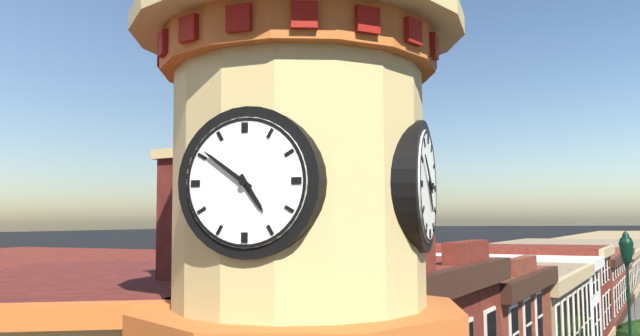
4:51
